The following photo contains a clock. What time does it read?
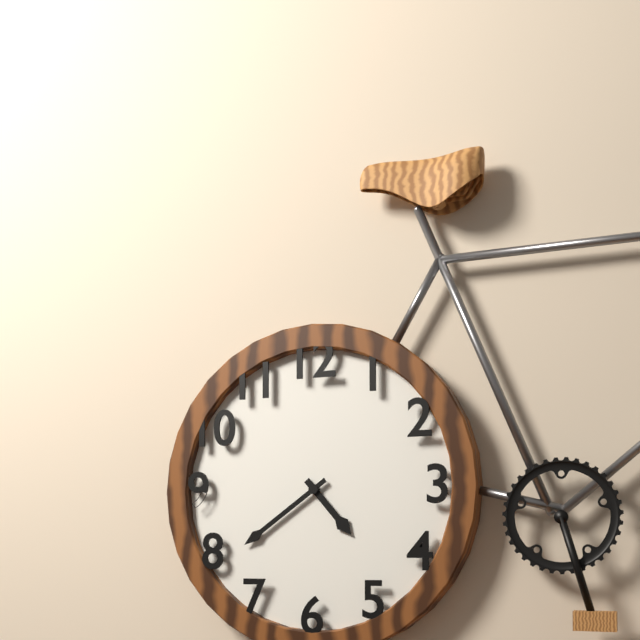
4:39
